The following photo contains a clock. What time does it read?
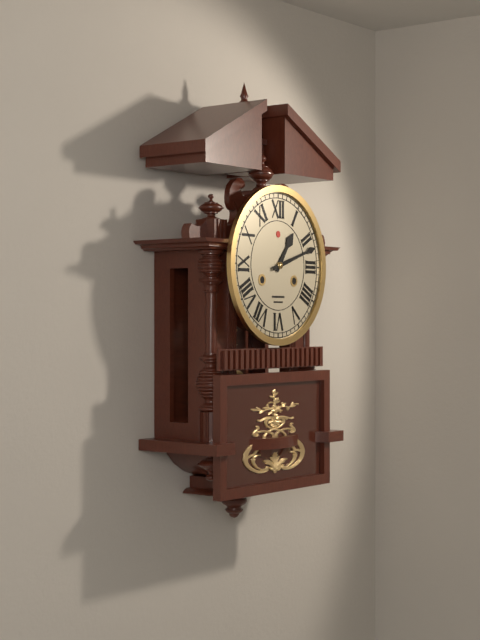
1:12
